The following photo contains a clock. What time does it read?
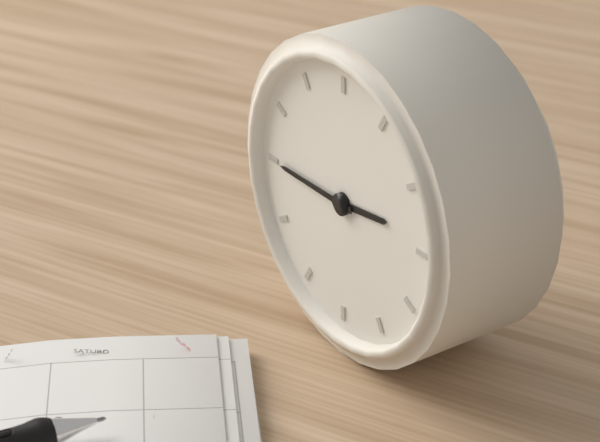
2:45
